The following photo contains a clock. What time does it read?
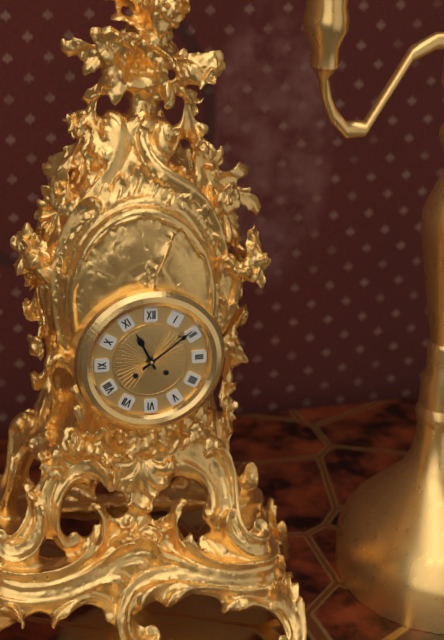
11:09
